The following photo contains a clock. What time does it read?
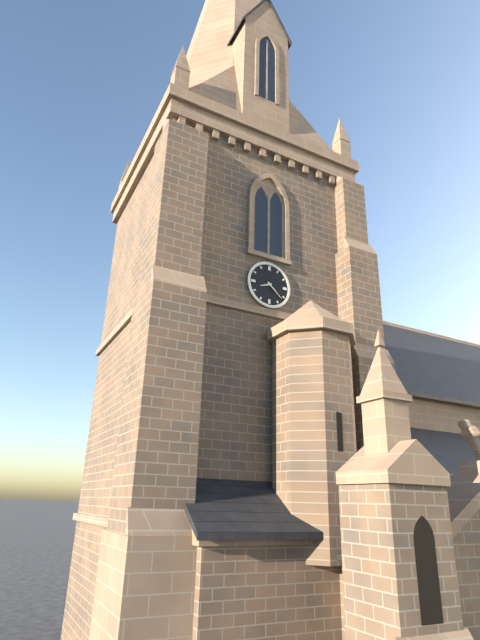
8:22
